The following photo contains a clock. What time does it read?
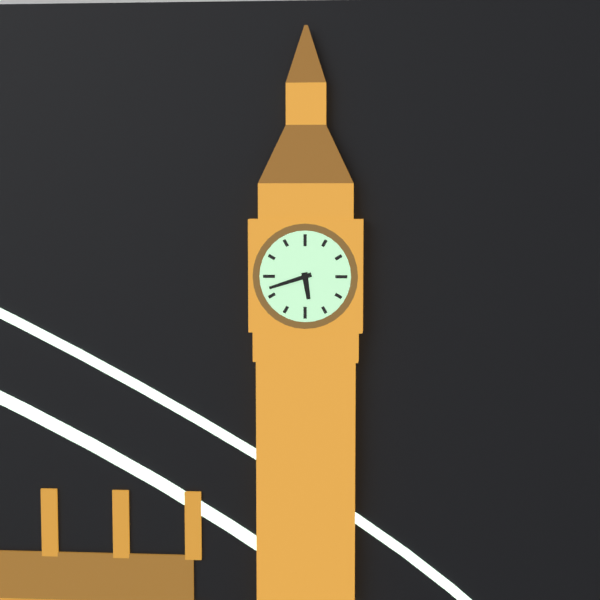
5:42
